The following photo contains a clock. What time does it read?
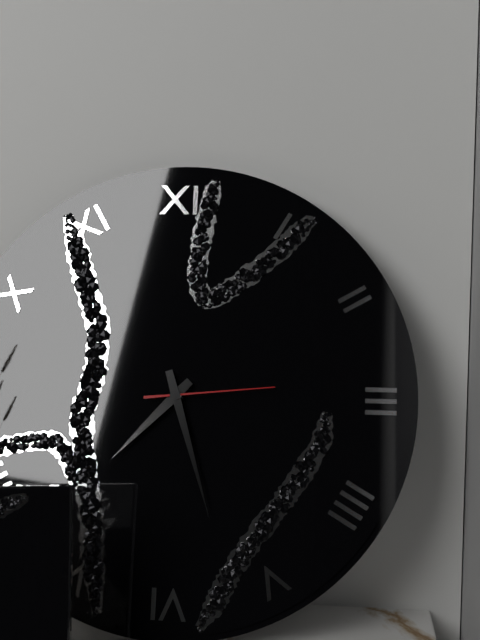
7:27:14
